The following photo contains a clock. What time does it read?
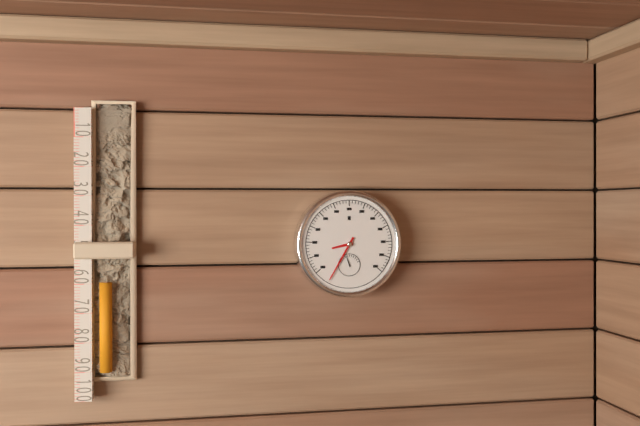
8:35
